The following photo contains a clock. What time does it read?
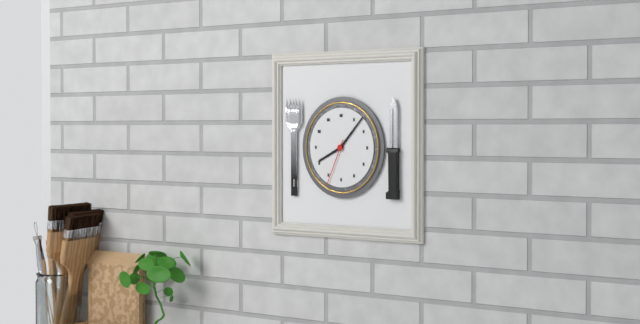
8:07:34
